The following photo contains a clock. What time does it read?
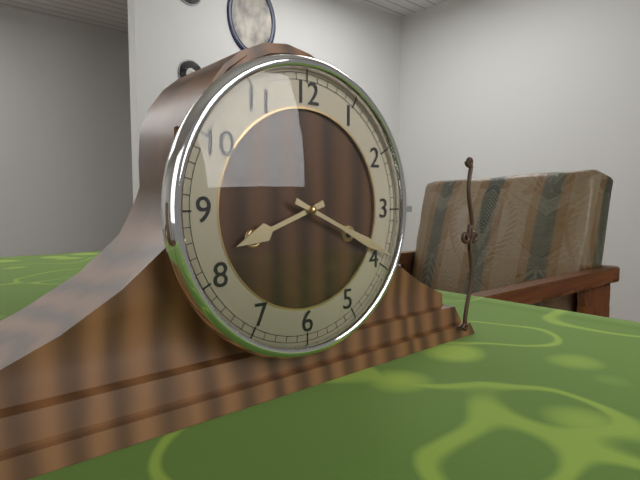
8:19
